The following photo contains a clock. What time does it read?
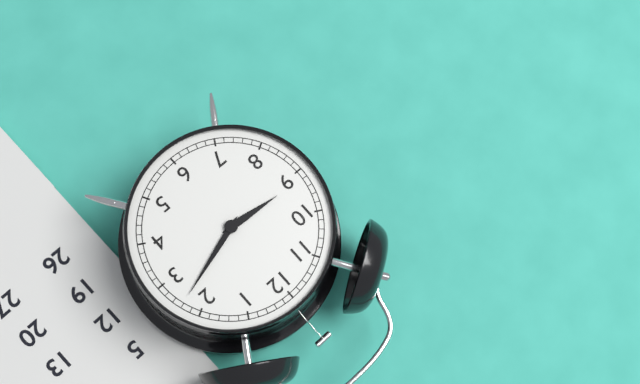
9:12
